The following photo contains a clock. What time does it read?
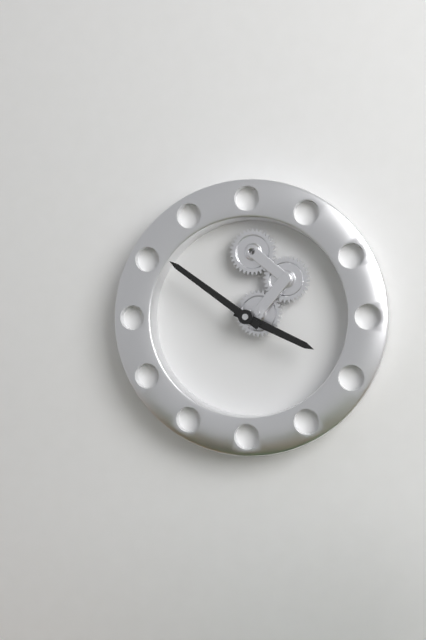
3:51
